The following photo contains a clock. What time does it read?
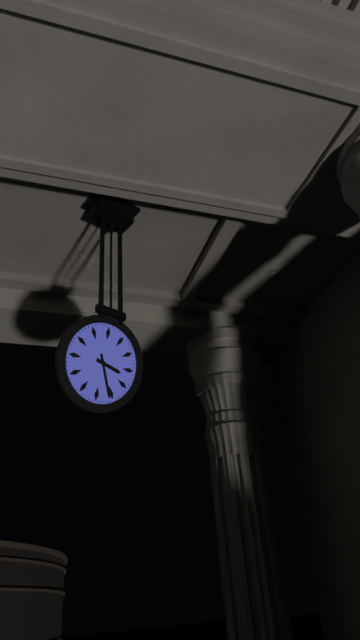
3:26
